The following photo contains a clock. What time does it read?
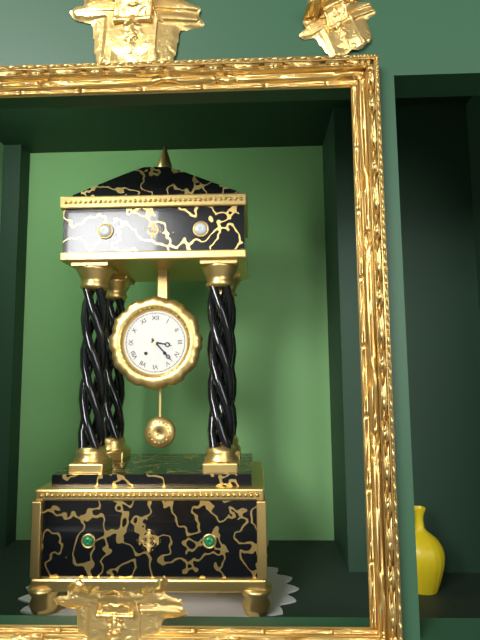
3:23
